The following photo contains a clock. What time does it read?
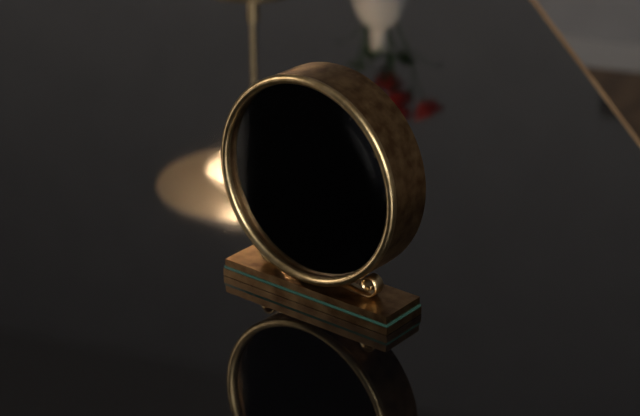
9:20
